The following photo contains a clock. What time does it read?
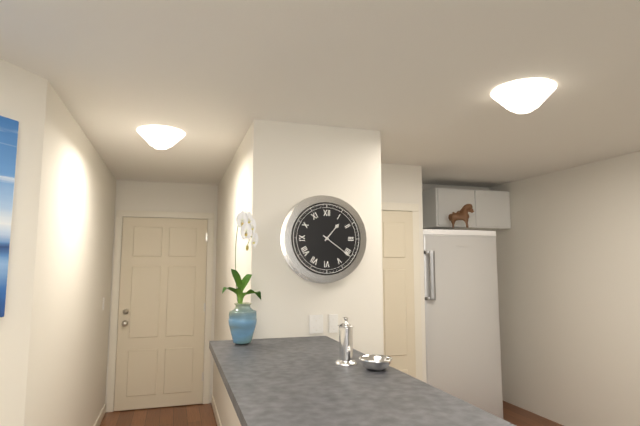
1:21
